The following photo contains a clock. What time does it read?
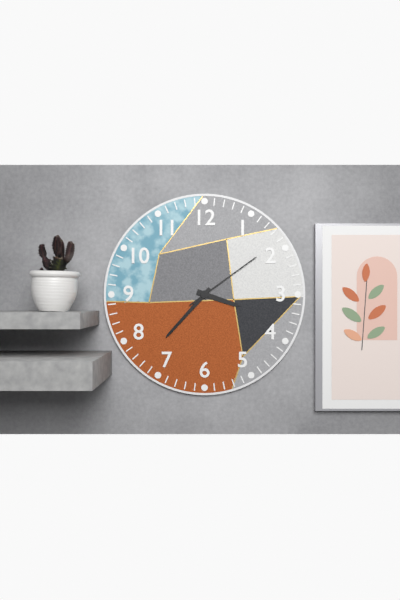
3:37:09
